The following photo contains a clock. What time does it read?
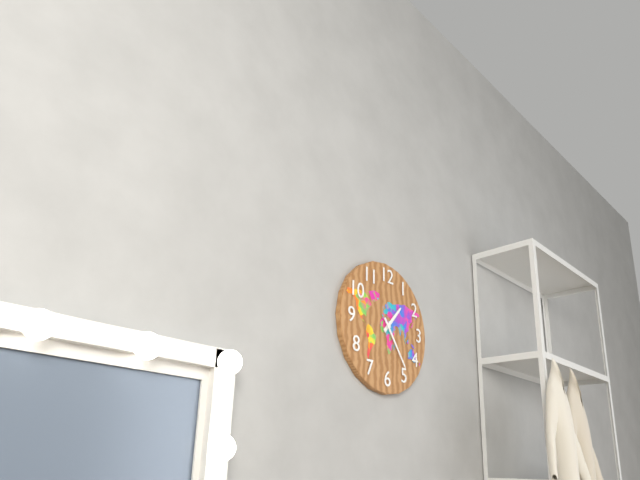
1:24
